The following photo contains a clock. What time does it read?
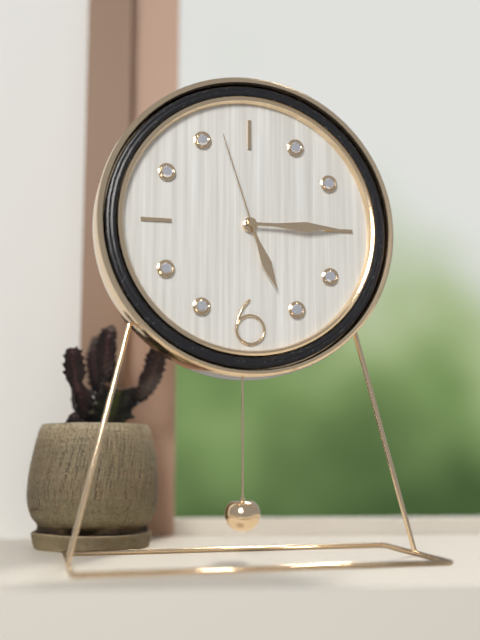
5:15:57
